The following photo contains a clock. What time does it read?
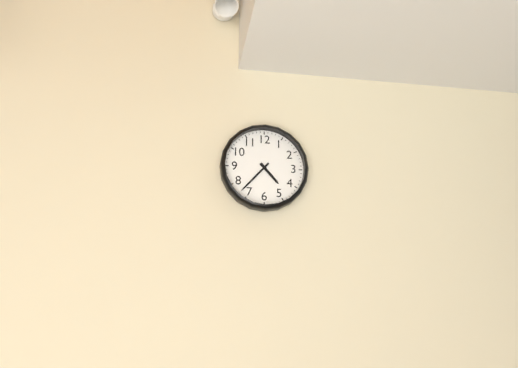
4:37
